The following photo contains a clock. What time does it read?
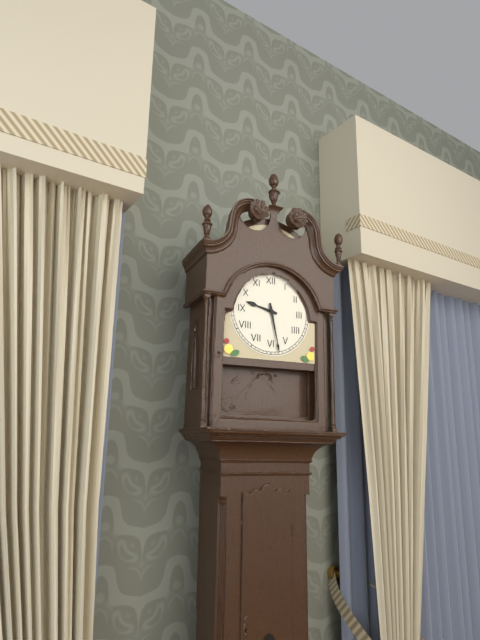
9:28
